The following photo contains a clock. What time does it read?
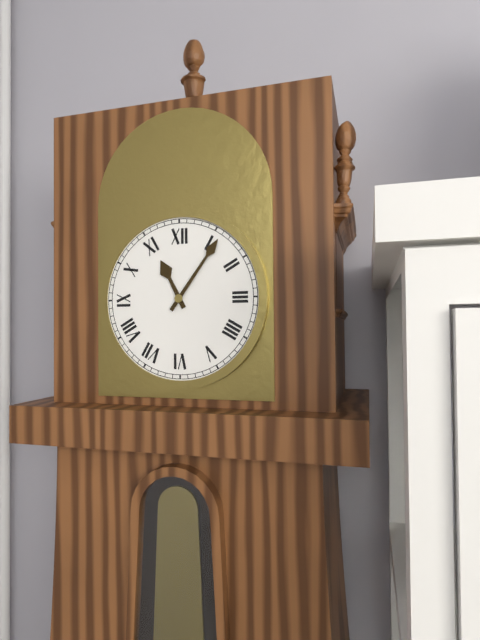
11:06
